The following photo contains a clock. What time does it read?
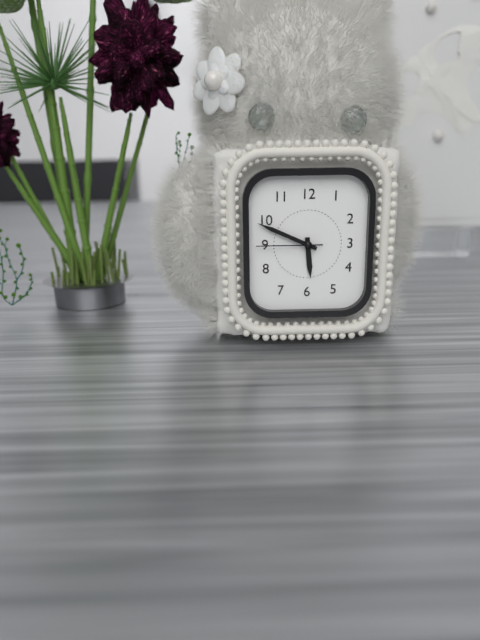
5:49:45
